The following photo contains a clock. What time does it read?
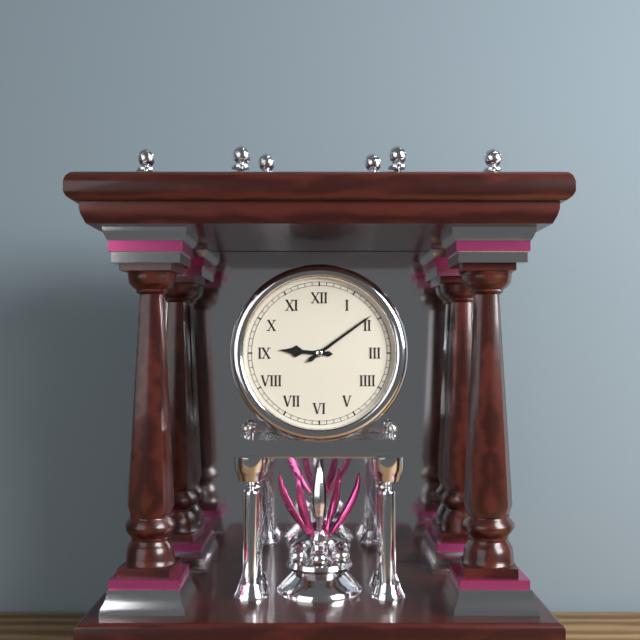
9:09
